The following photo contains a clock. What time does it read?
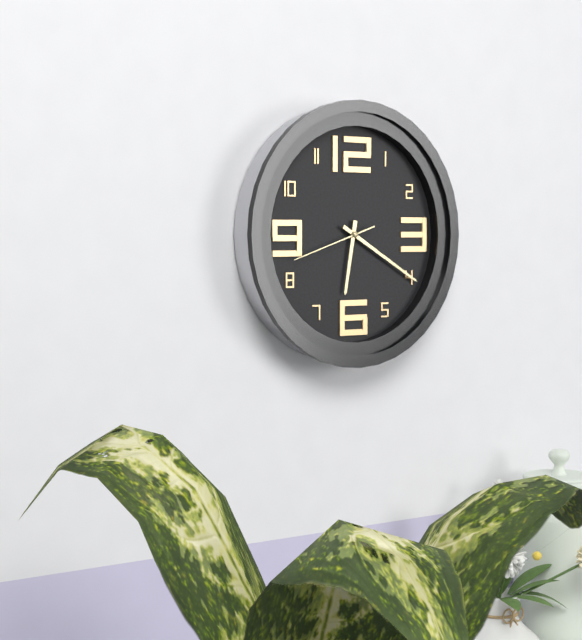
6:20:42
